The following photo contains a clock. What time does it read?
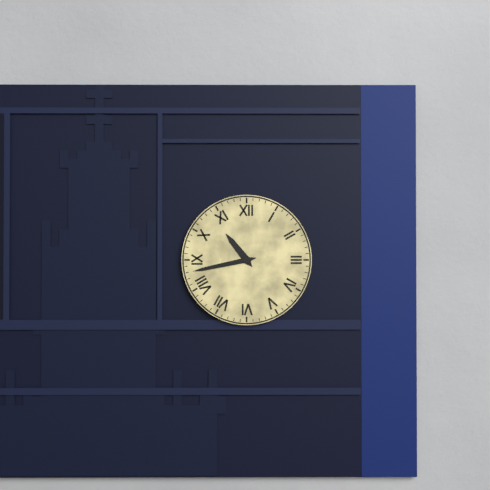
10:43
